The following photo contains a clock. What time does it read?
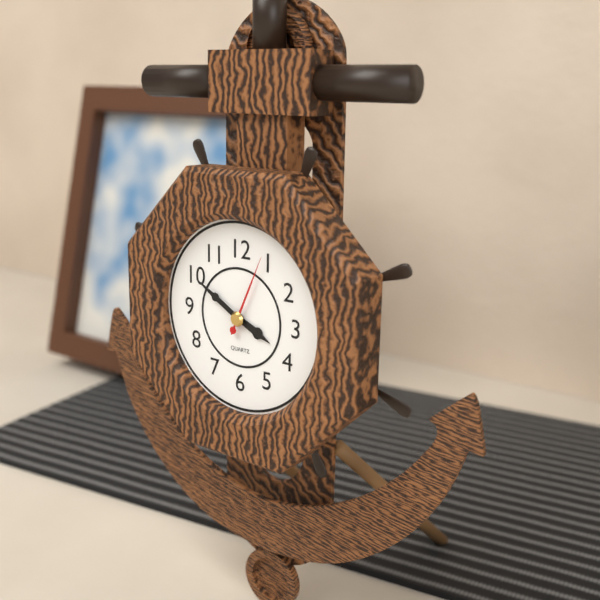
3:50:04
